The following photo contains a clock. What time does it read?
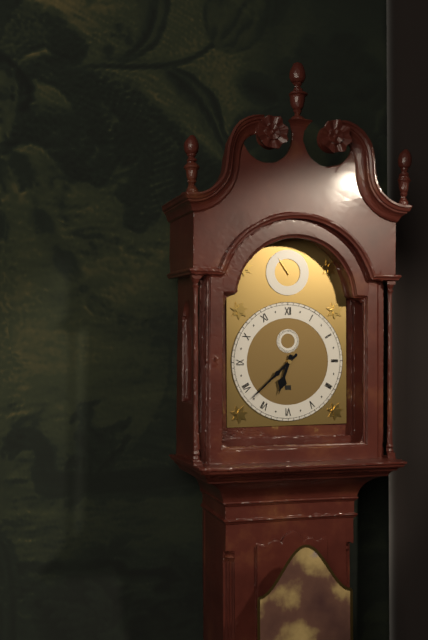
6:38
